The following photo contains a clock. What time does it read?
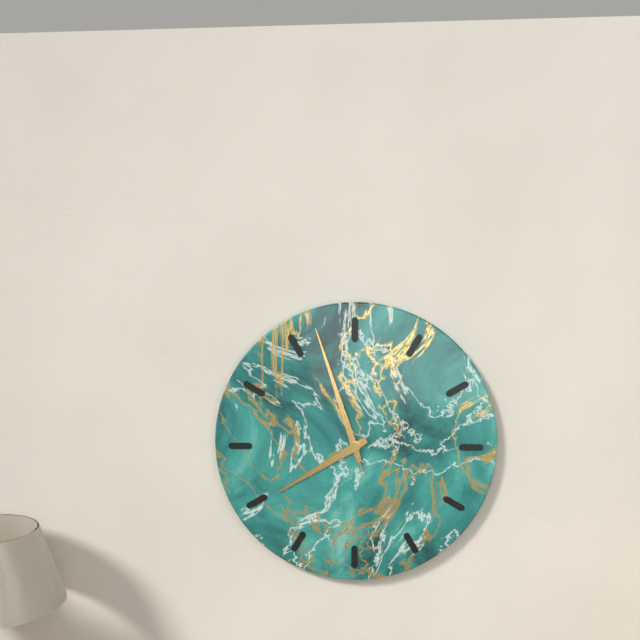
7:57:57
